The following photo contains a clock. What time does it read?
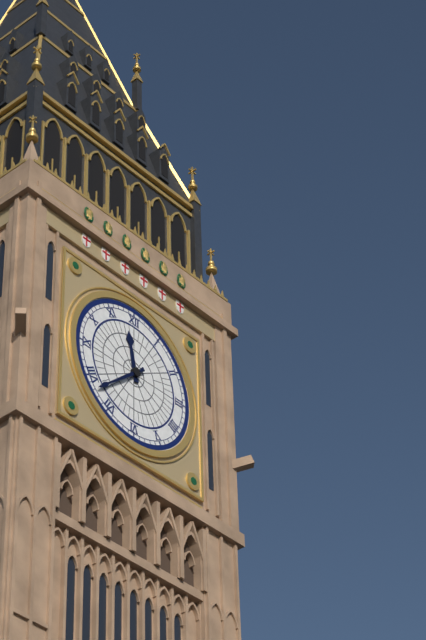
11:38
